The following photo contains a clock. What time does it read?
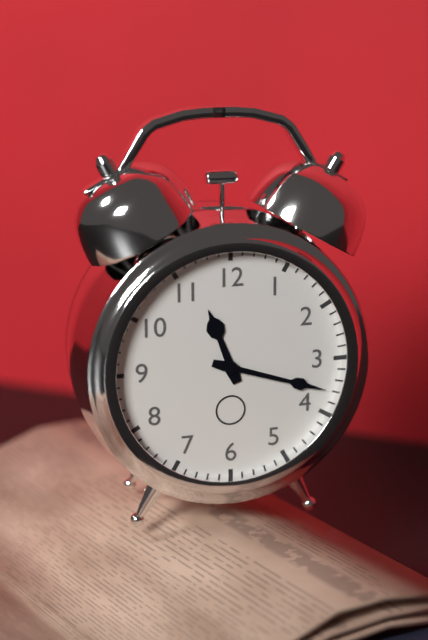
11:18
